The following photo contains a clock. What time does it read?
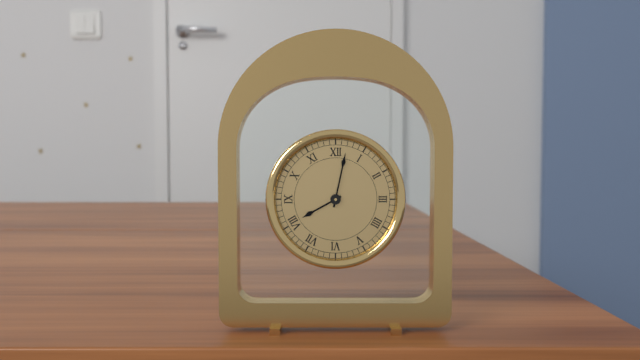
8:02
